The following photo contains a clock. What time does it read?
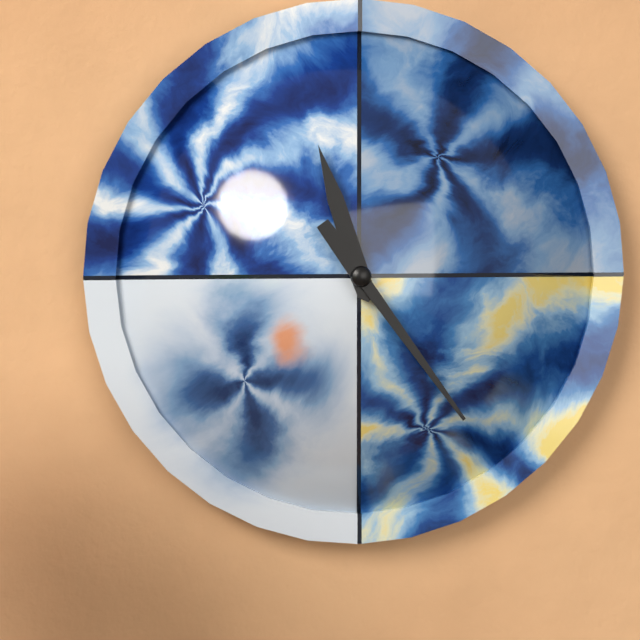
11:24
